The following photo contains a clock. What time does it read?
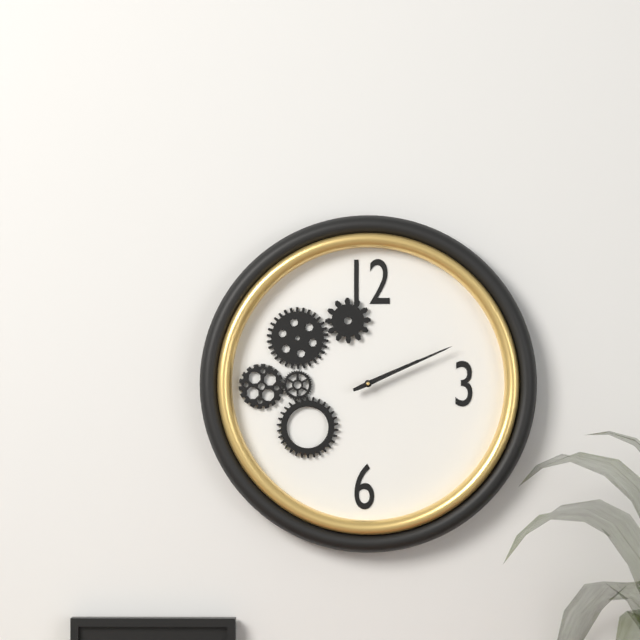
2:11
